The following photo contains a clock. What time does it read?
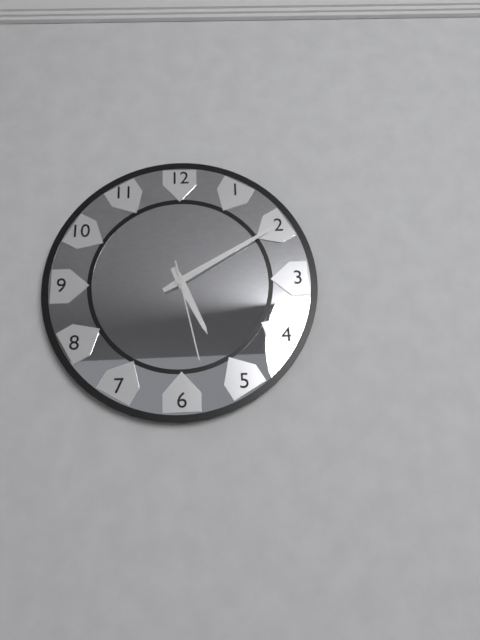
5:10:28
